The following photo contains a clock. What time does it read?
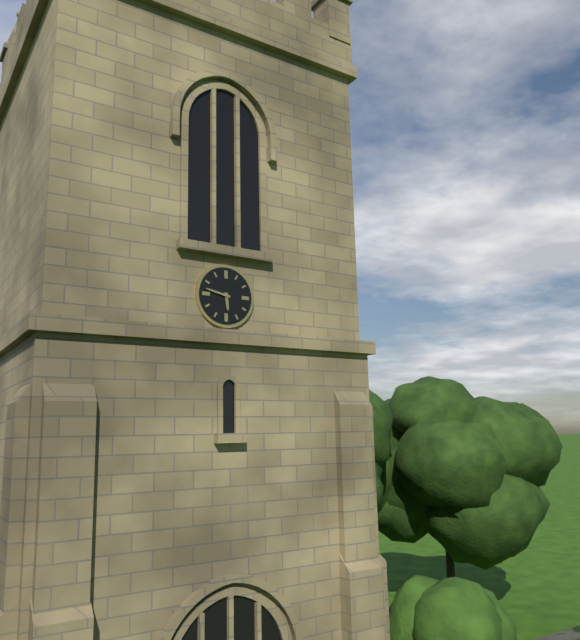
5:47
